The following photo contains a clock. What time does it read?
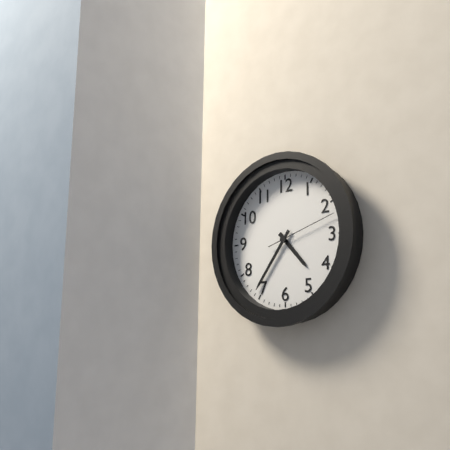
4:36:12
